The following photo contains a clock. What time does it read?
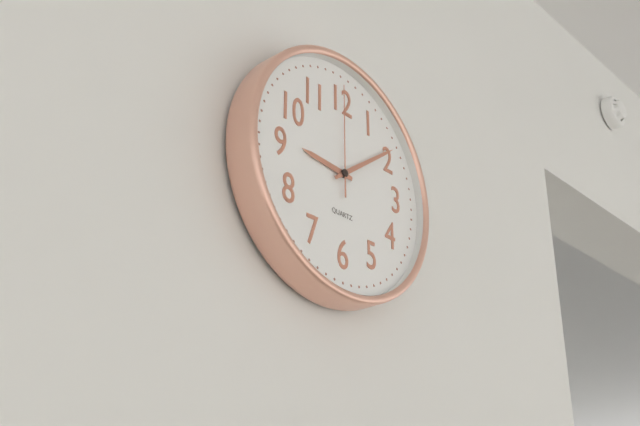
9:09:00
